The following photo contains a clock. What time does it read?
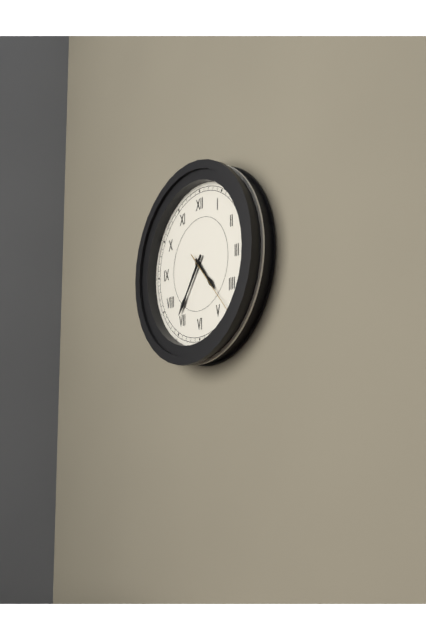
4:36:23
